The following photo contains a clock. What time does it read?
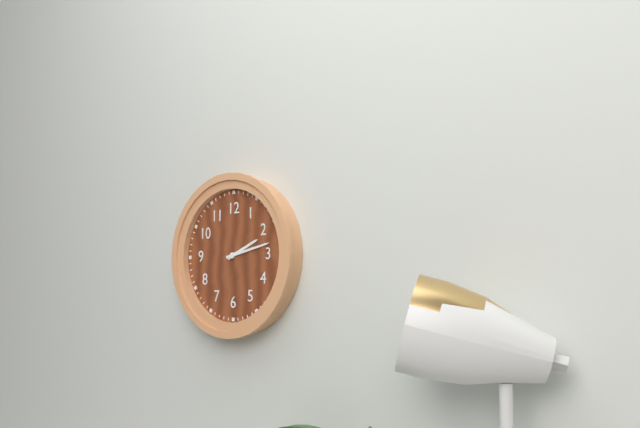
2:13
